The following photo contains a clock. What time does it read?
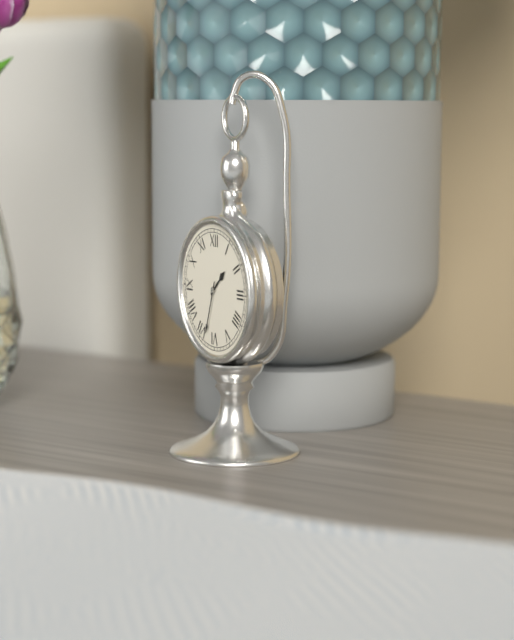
1:33
